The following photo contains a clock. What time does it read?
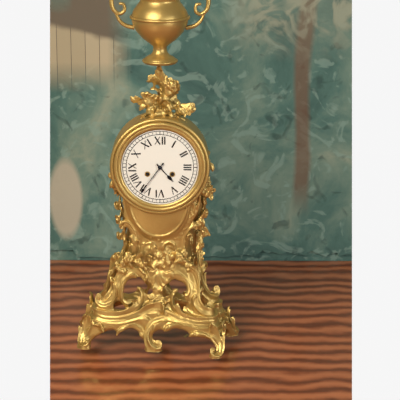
4:36
